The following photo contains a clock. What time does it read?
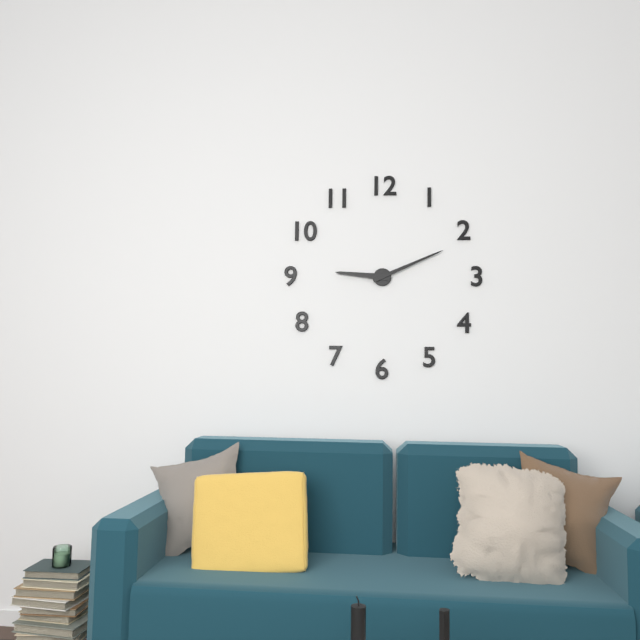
9:11
